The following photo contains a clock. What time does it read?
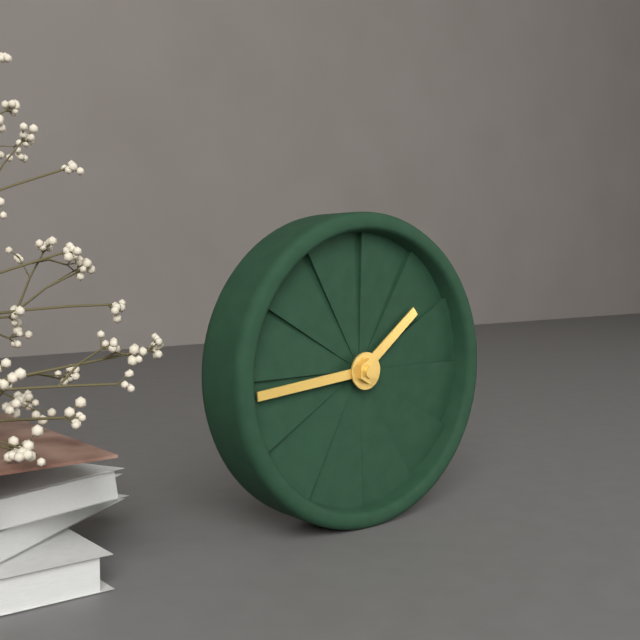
1:44
